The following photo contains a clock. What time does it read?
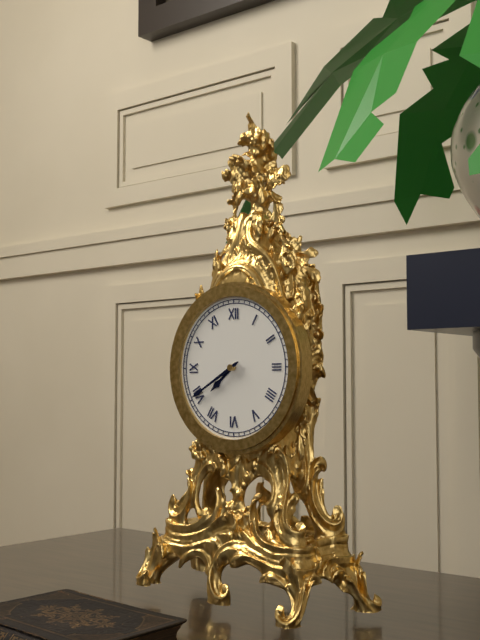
7:40
